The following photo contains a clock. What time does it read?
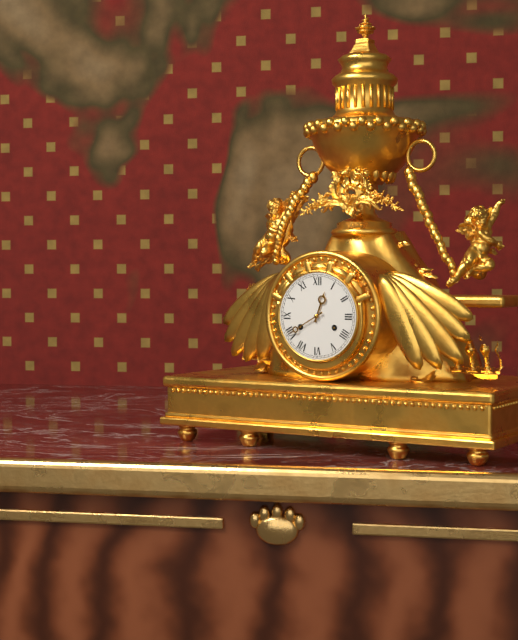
12:40
